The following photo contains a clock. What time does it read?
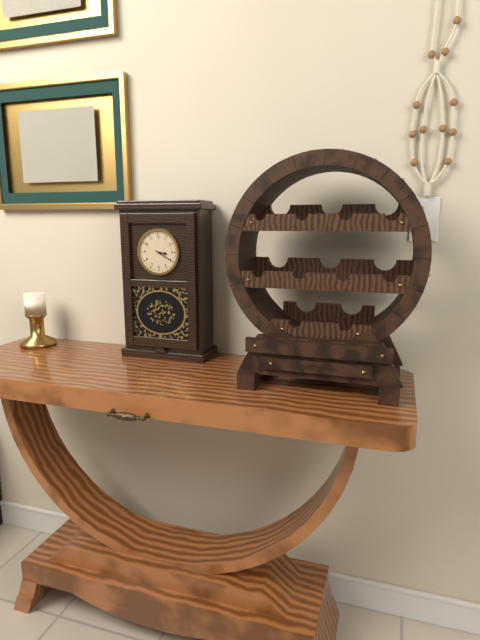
3:20
